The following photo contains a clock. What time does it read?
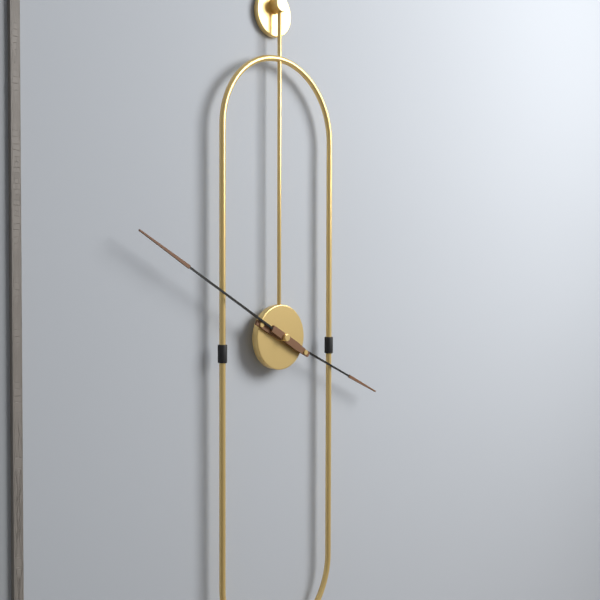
3:50
